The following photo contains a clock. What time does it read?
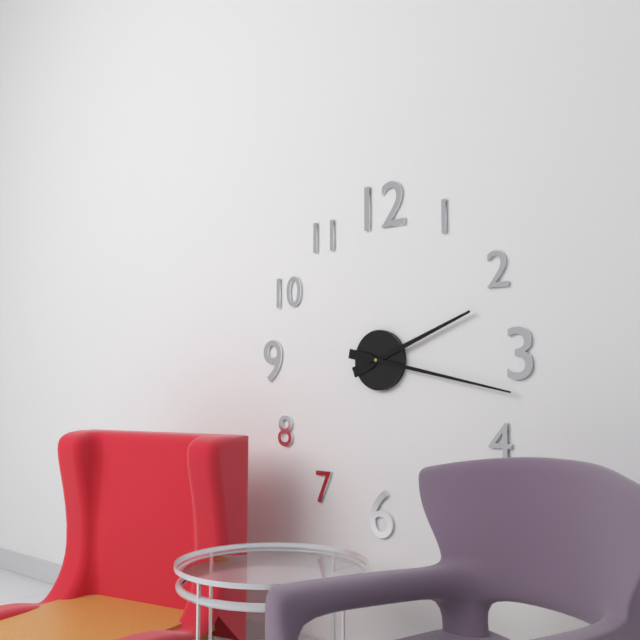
2:17
